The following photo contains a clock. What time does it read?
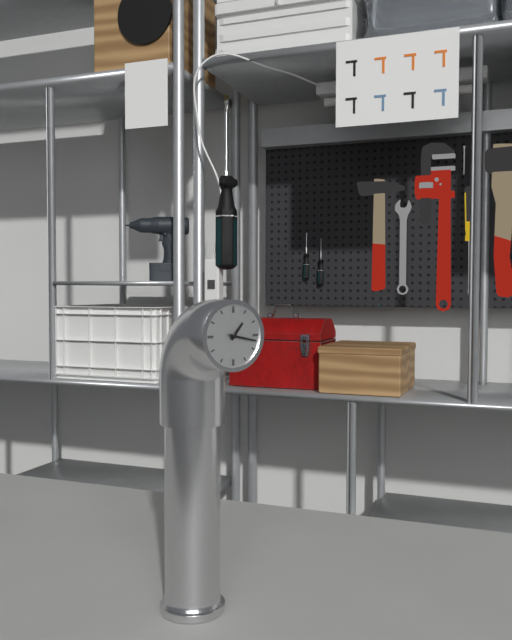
1:17
